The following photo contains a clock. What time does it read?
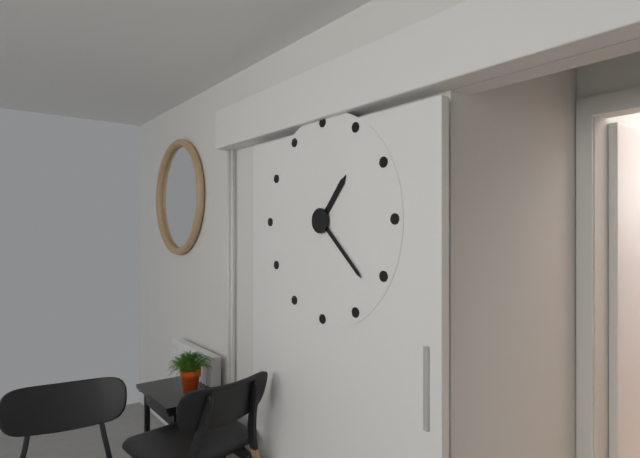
1:22
